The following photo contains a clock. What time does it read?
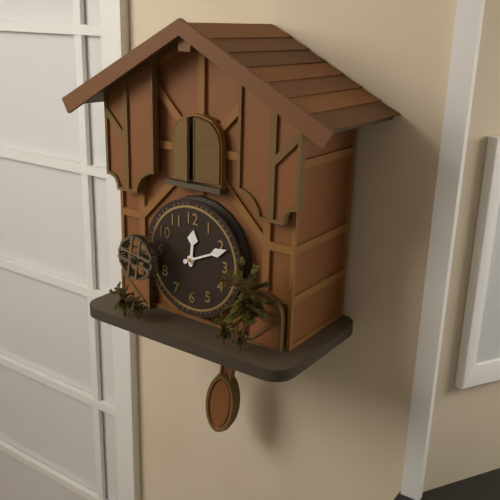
12:11
